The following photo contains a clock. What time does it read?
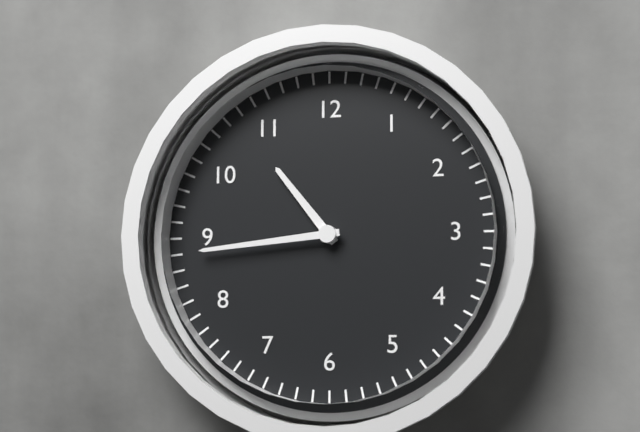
10:44
